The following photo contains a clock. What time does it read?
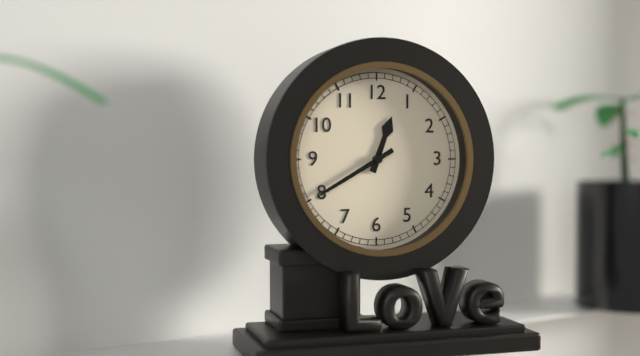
12:40
